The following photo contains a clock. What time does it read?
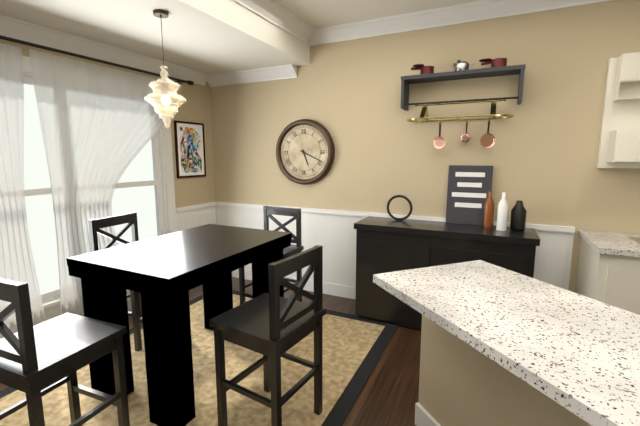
5:19
